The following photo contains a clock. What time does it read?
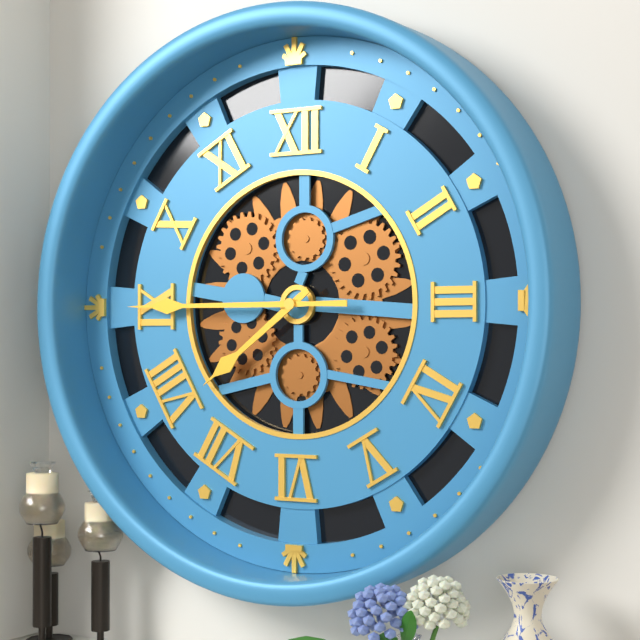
7:45
